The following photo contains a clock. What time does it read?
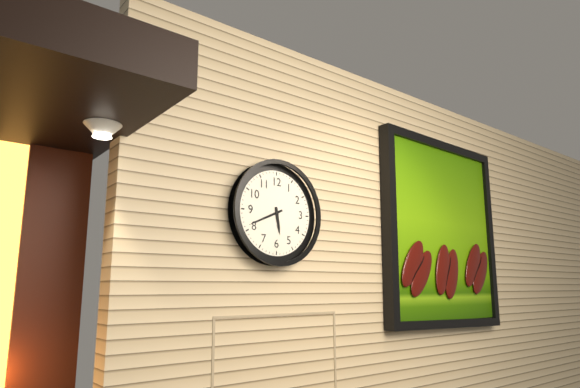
5:41
